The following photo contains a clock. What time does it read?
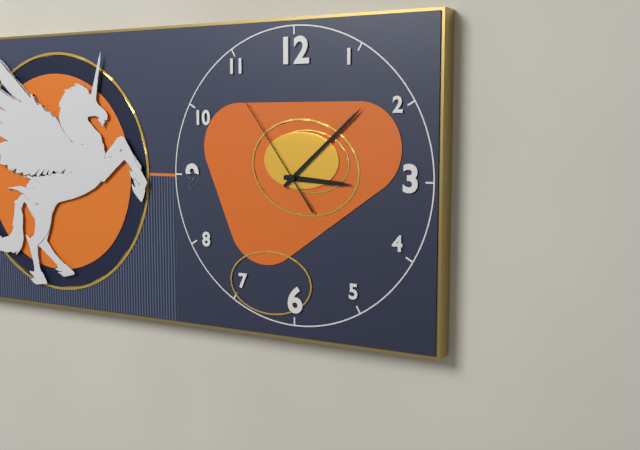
3:08:54
